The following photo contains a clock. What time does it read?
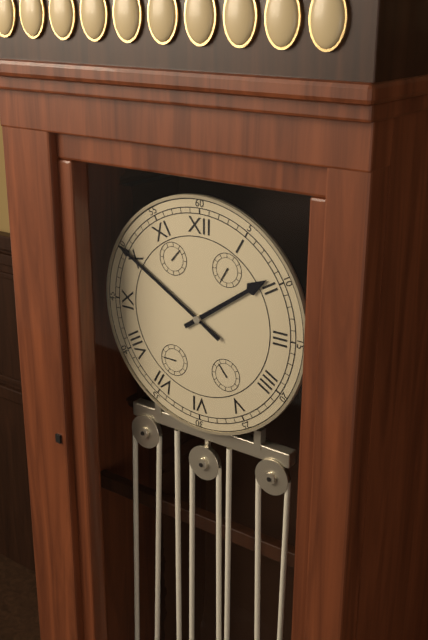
1:50
